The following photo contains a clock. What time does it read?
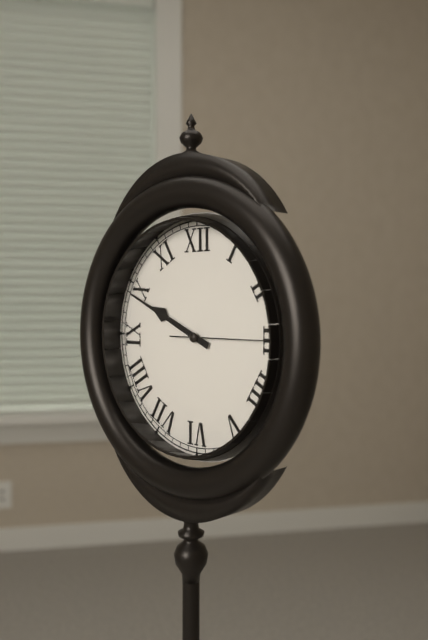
9:49:15
